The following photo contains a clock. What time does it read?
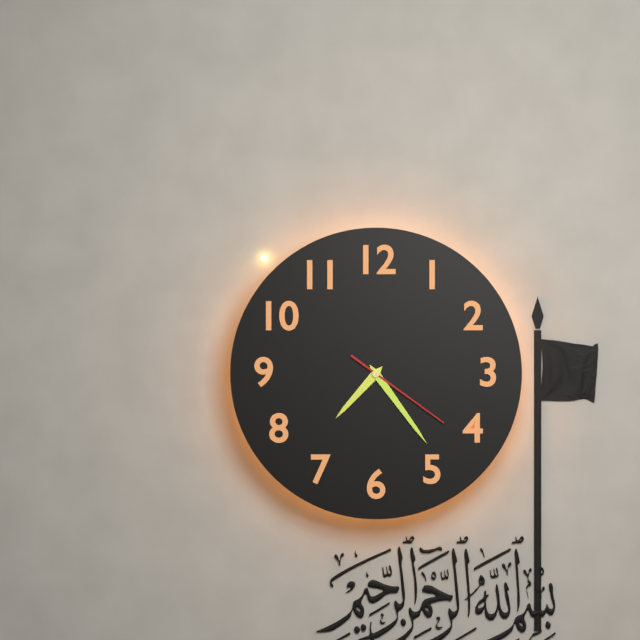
7:24:21
